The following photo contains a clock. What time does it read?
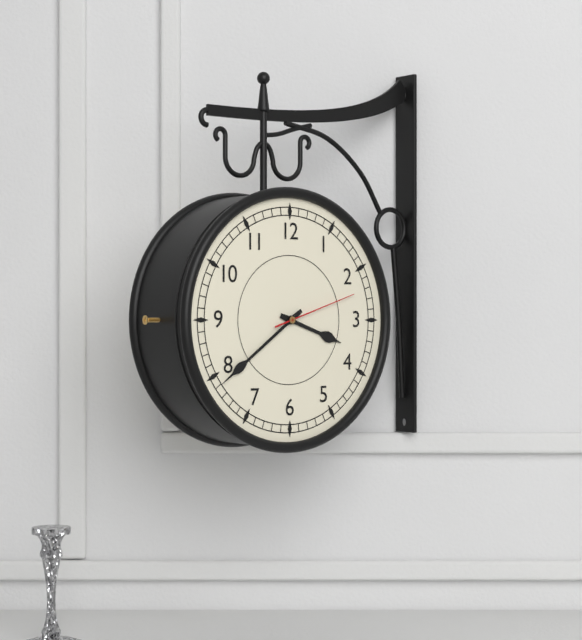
3:39:12
